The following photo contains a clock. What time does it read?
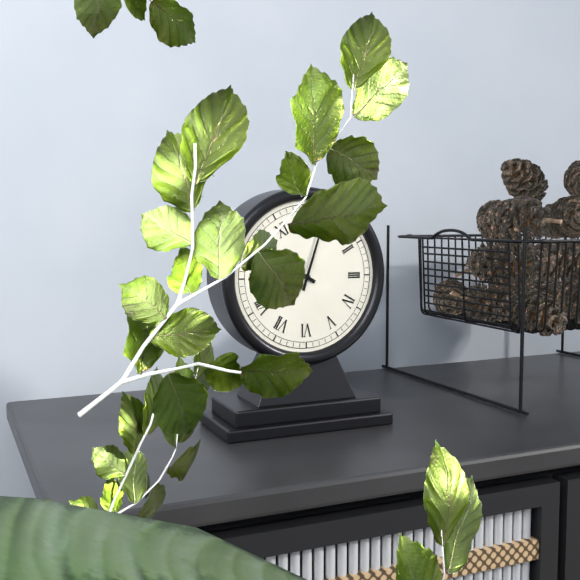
10:03
